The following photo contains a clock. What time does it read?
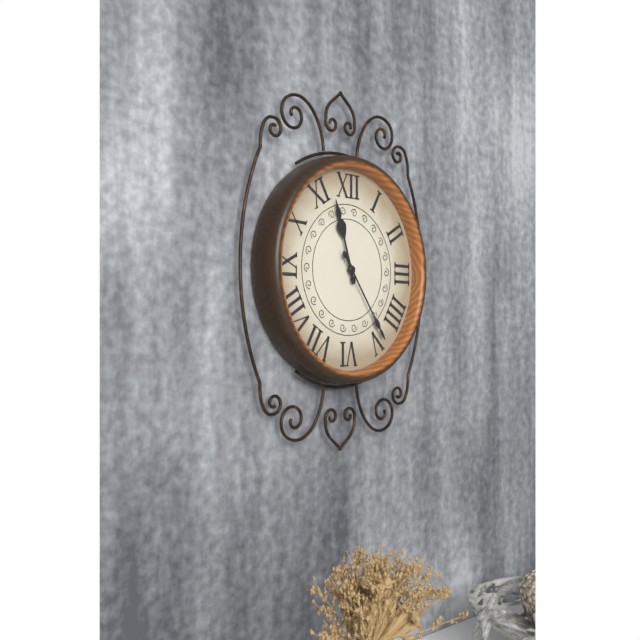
11:24
